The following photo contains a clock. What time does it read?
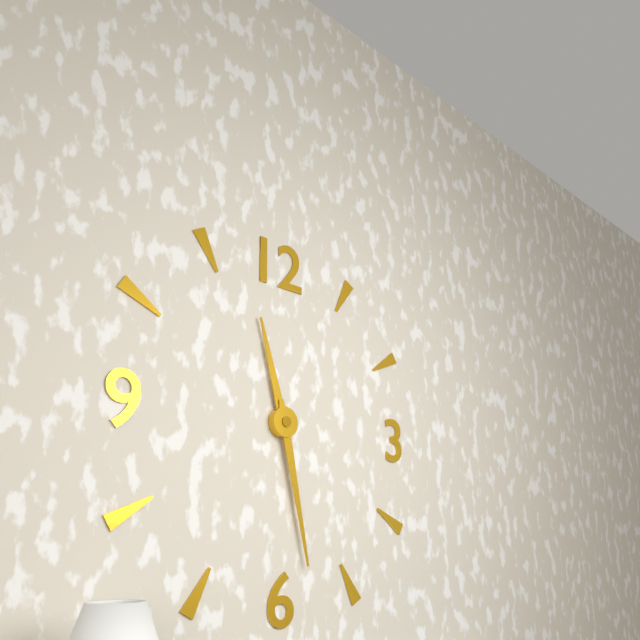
11:28
